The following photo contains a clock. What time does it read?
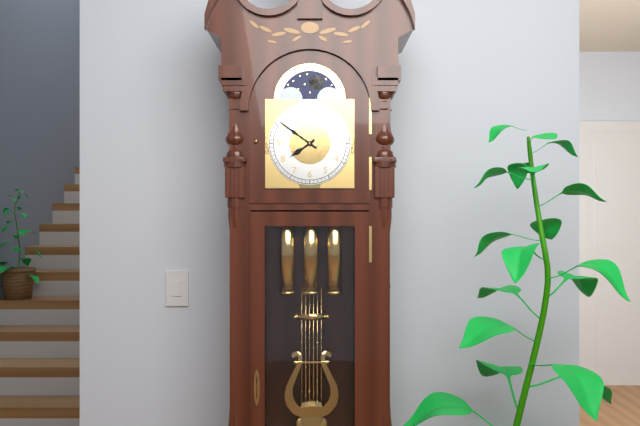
7:51
